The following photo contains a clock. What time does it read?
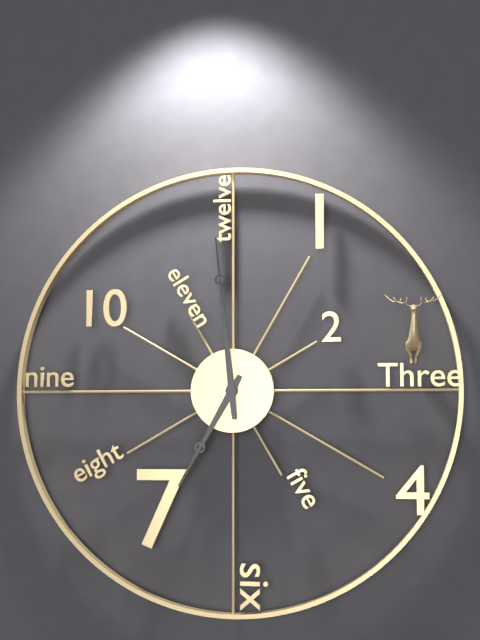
6:59
